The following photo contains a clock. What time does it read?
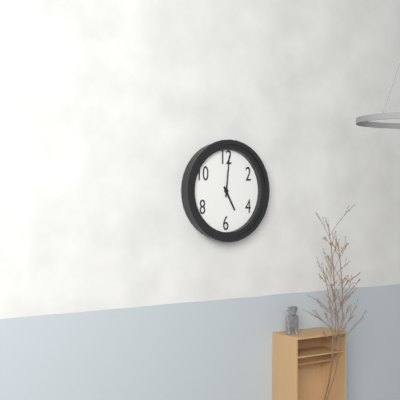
5:01
